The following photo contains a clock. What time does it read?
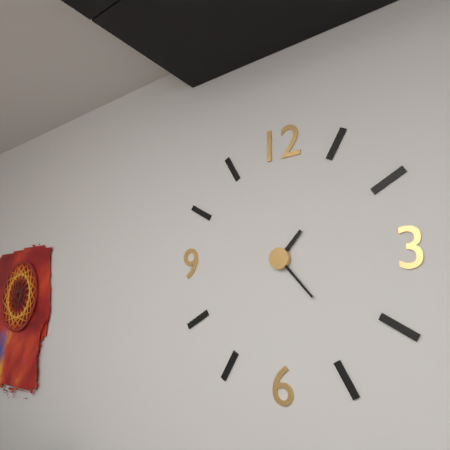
1:23
